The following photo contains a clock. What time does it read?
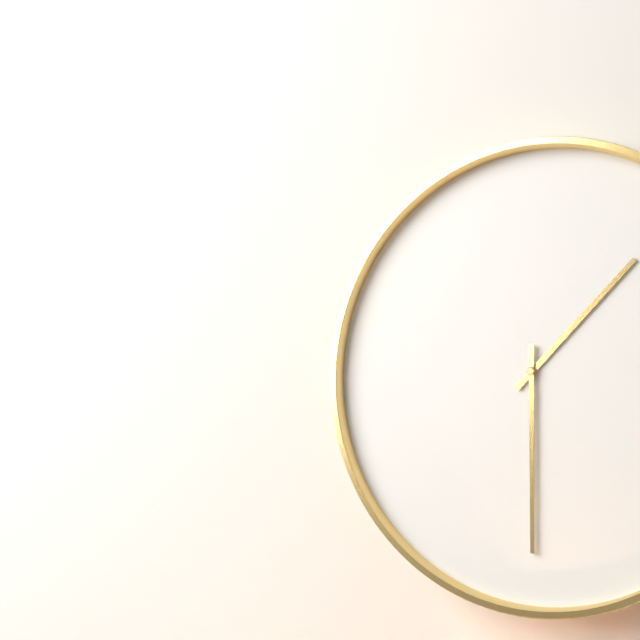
1:30
